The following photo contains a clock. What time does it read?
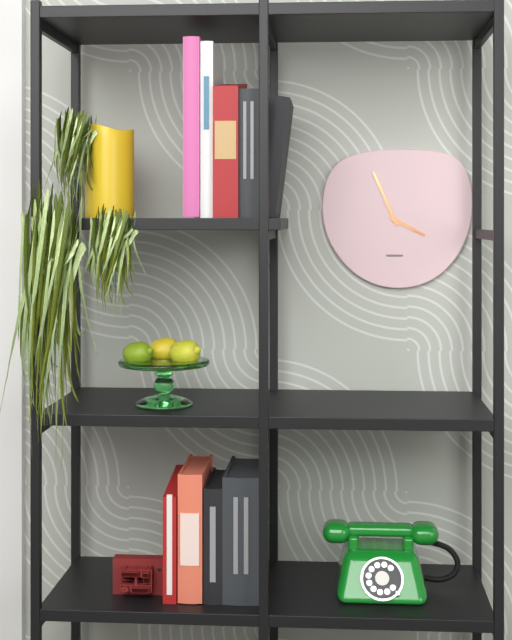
3:56
